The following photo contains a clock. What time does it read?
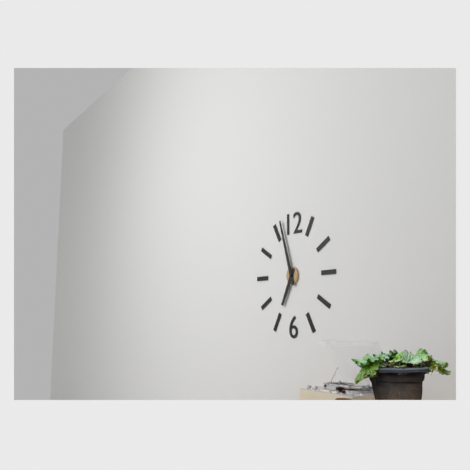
6:57
